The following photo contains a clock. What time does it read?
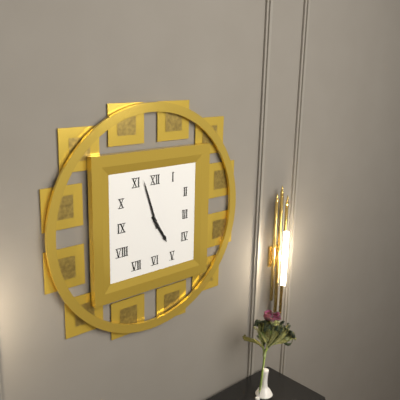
4:57
